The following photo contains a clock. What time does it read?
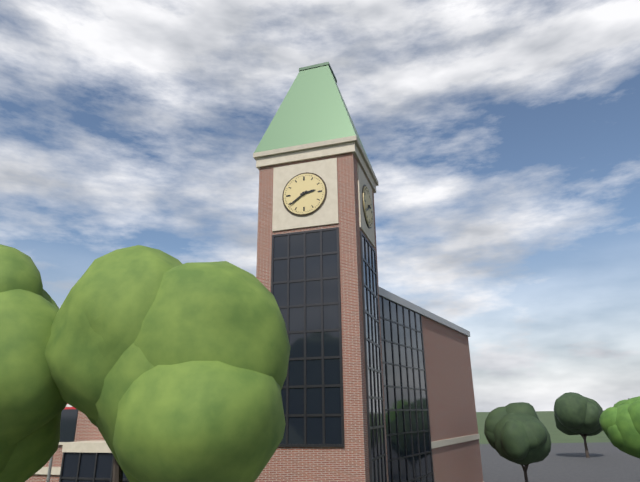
2:39
